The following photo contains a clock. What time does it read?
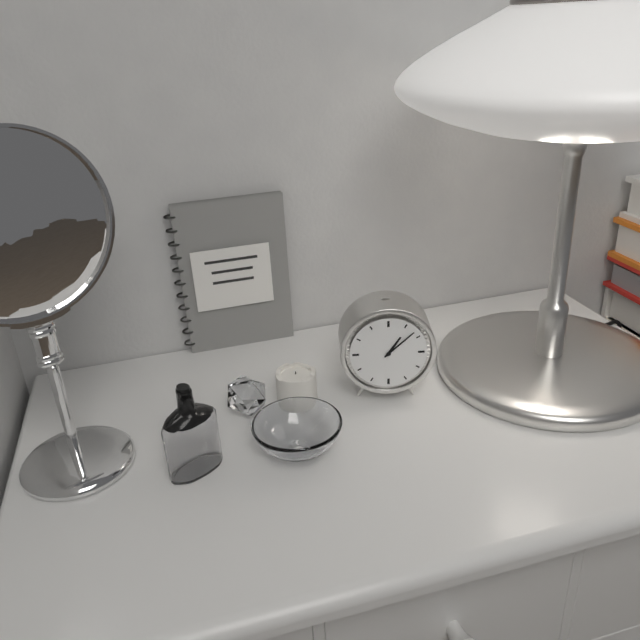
1:08
